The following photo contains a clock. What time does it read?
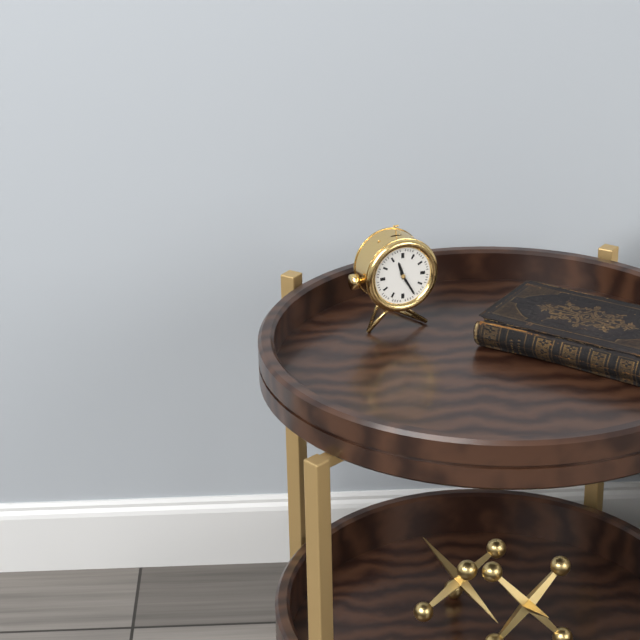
11:25
